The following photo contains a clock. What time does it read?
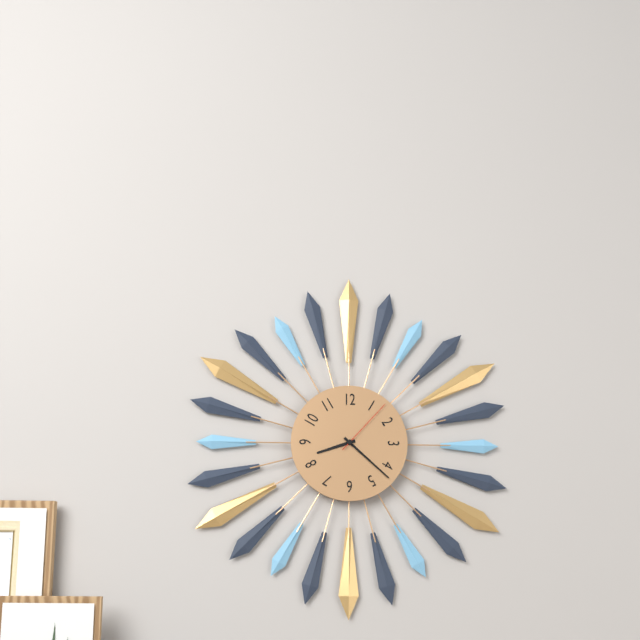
8:22:07
